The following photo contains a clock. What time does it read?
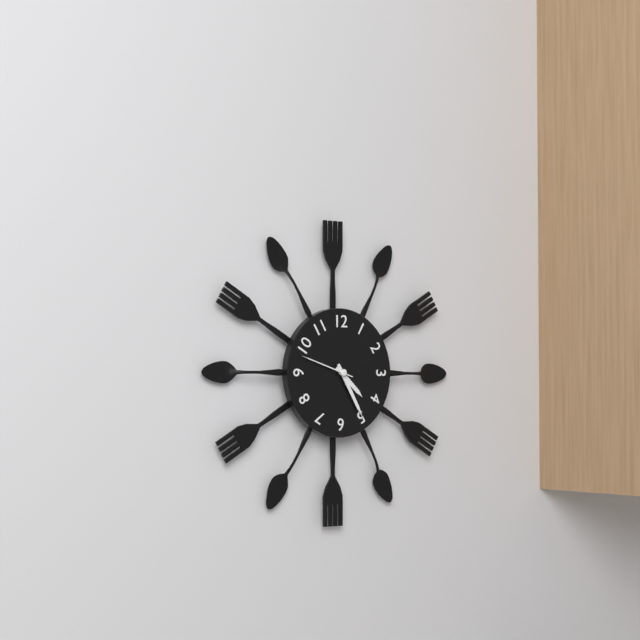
4:25:48
